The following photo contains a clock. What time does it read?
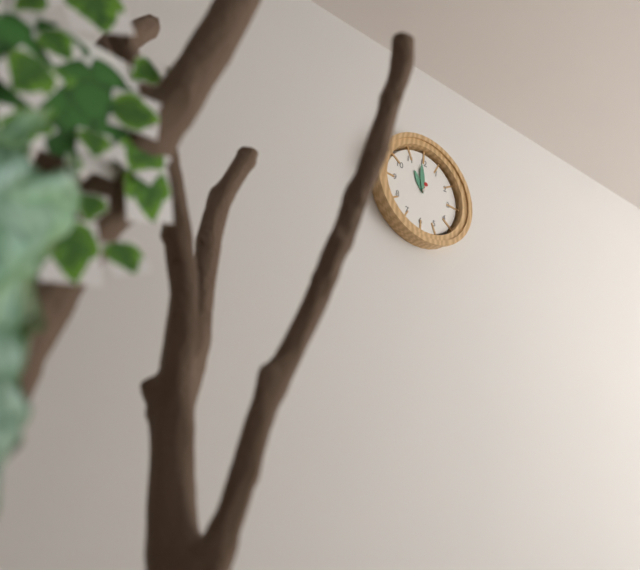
10:59
